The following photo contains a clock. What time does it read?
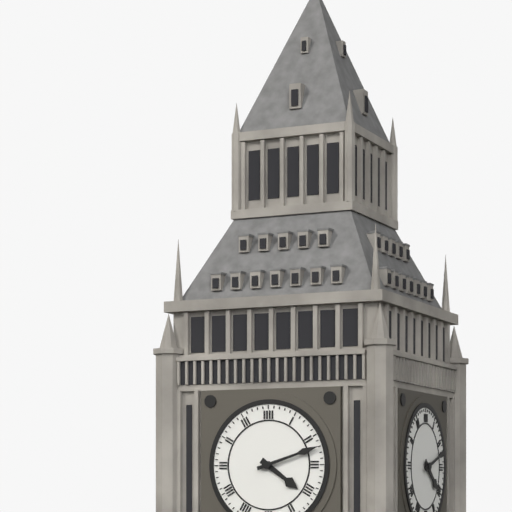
4:12
